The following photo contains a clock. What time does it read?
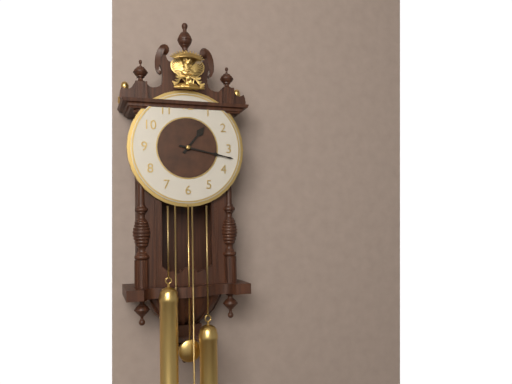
1:17
